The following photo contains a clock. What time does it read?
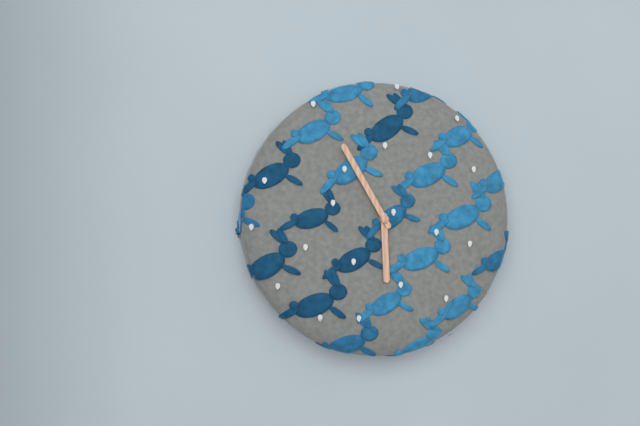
5:55
